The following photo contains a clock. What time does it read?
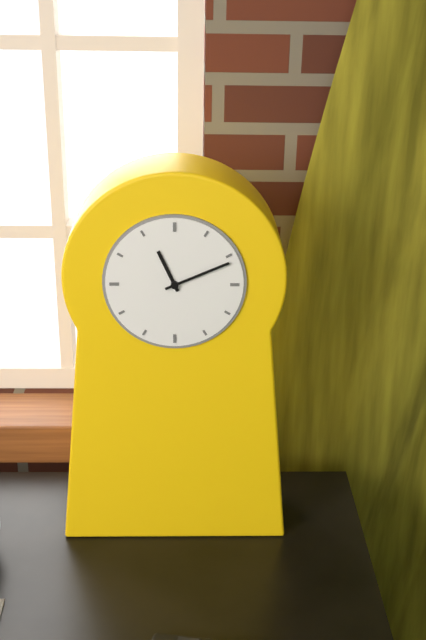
11:11
